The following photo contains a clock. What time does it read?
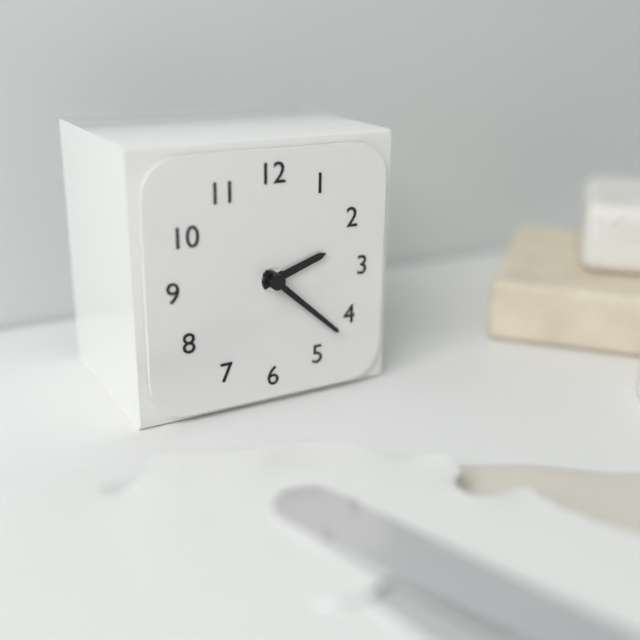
2:22
